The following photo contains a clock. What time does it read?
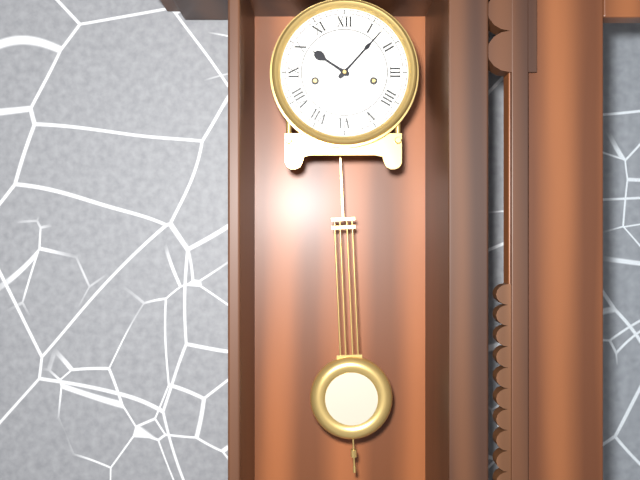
10:07
